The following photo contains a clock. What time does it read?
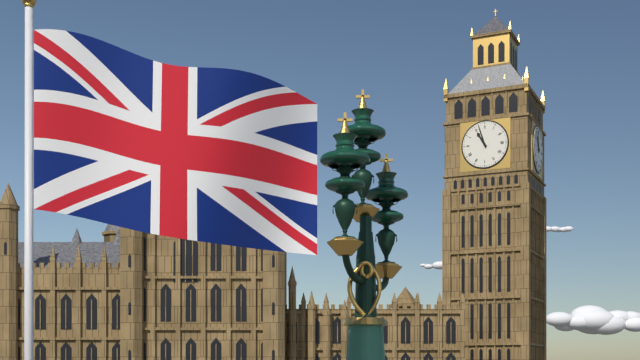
10:57
